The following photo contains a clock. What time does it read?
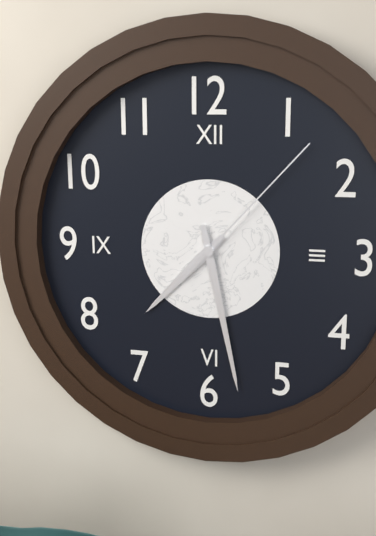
7:28:07
